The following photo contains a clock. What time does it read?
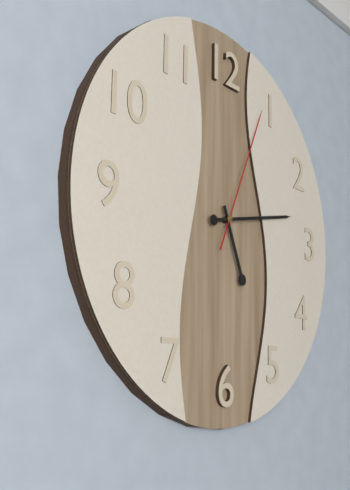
5:13:04
